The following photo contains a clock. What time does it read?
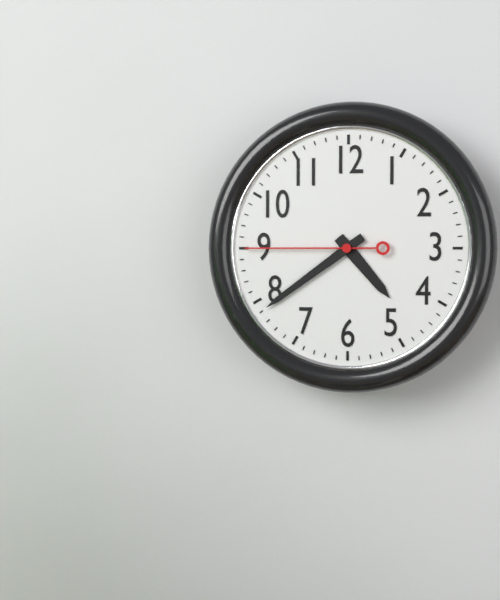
4:39:45
